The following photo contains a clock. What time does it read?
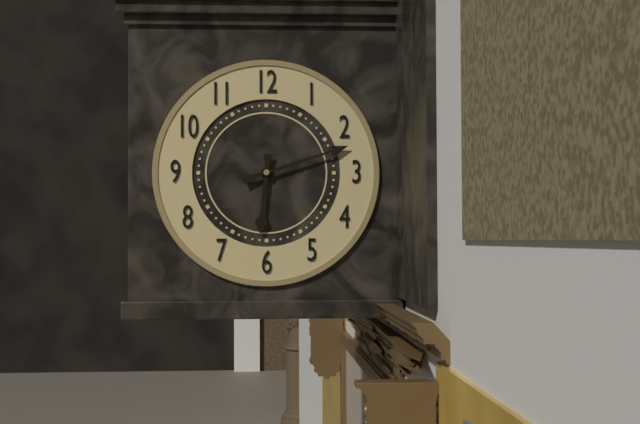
6:12
